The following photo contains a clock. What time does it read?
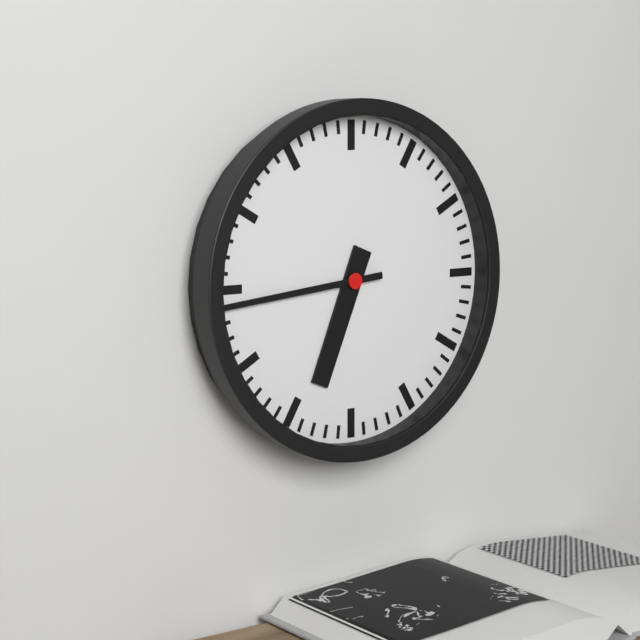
6:44
